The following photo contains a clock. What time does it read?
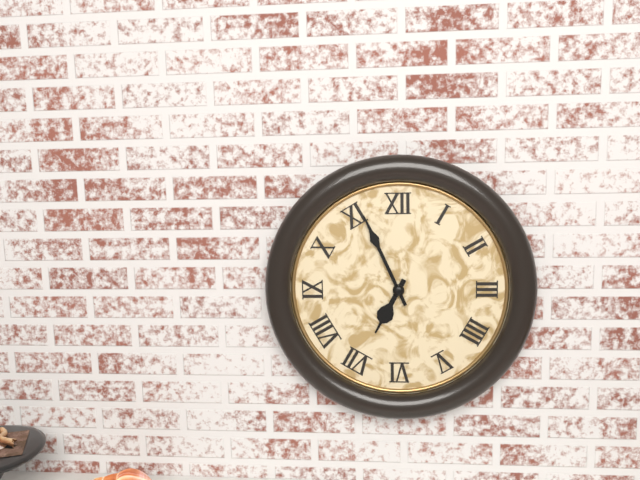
6:56
